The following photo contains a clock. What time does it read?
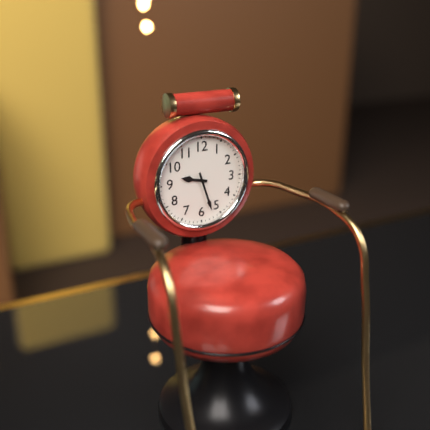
9:27
